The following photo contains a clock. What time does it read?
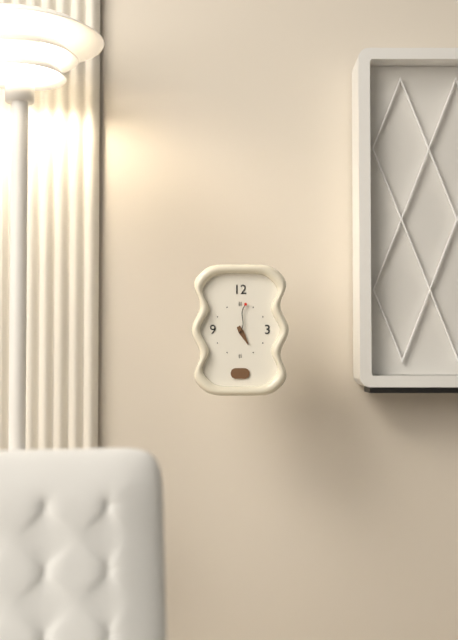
5:02
